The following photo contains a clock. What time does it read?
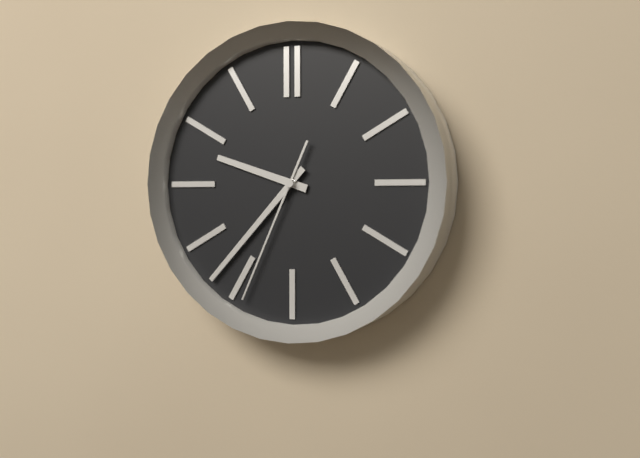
9:37:34
